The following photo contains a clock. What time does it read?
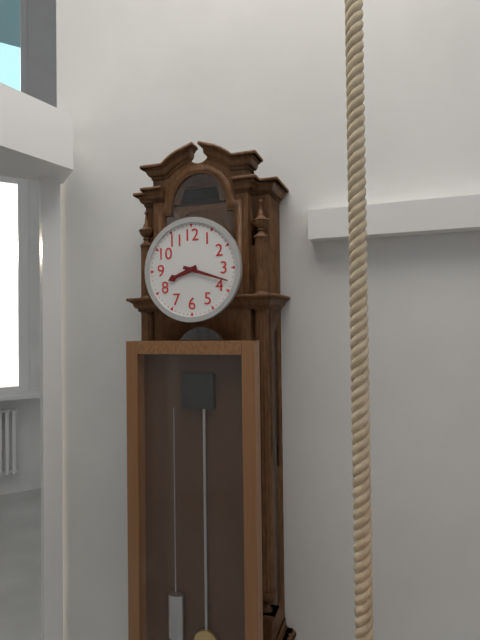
8:18
